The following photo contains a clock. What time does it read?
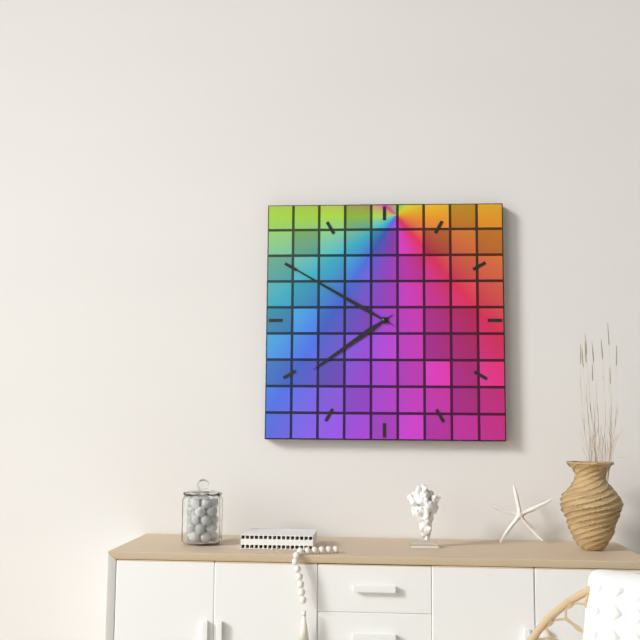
7:50
